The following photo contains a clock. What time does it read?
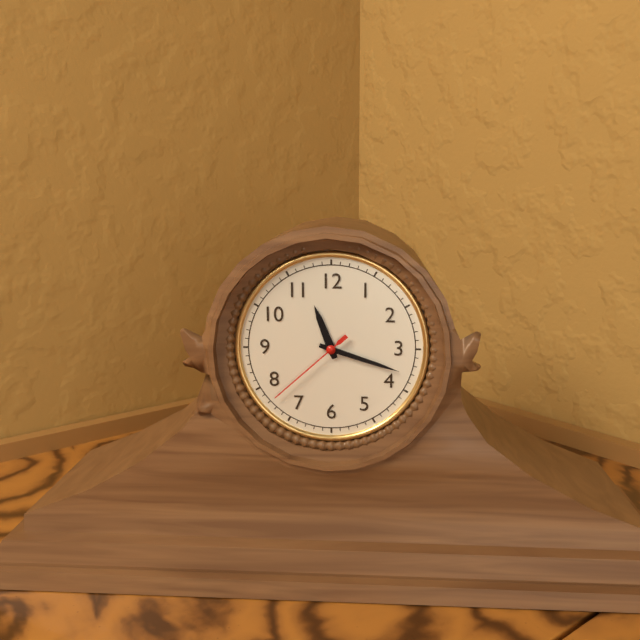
11:18:38
